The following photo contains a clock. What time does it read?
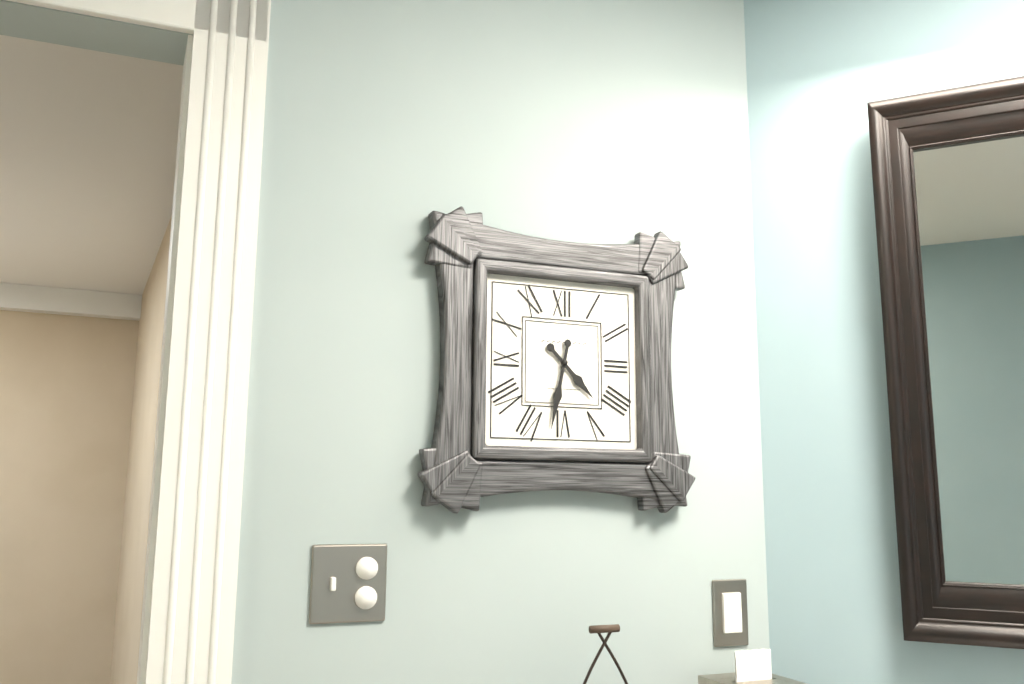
4:32
